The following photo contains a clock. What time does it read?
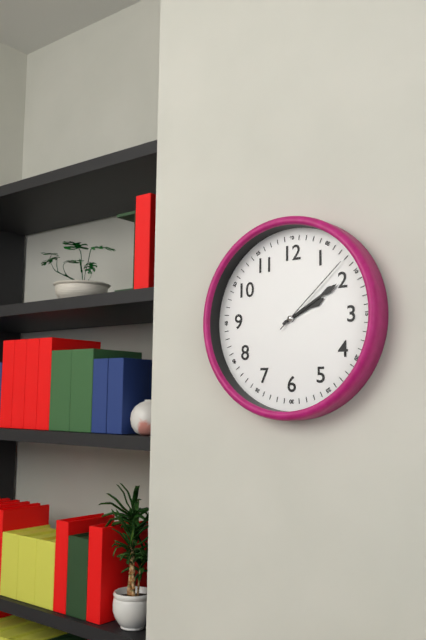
2:10:08
